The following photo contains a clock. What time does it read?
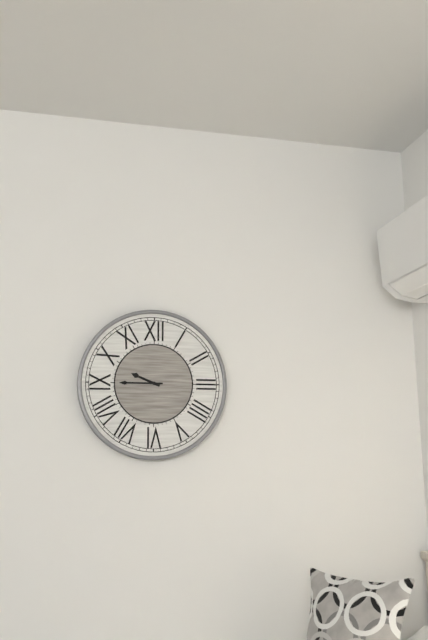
9:45
